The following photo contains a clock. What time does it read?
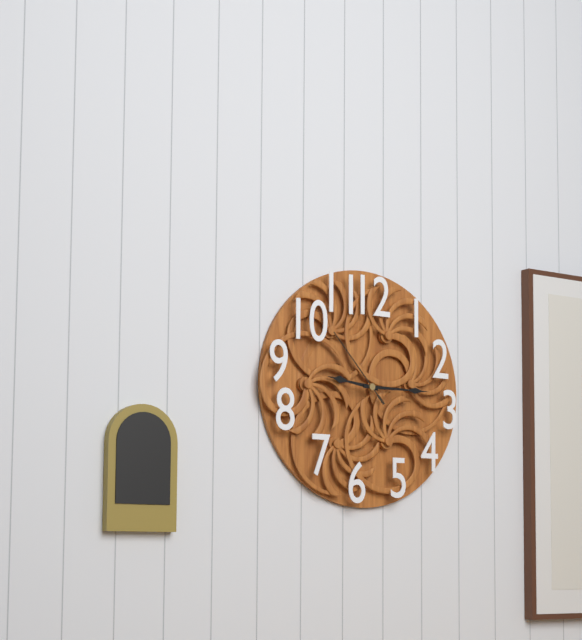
9:15:53
